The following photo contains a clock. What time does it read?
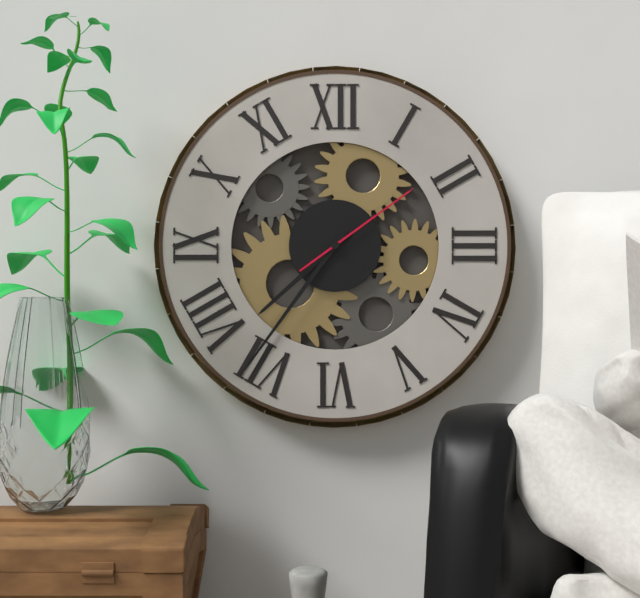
7:36:09
